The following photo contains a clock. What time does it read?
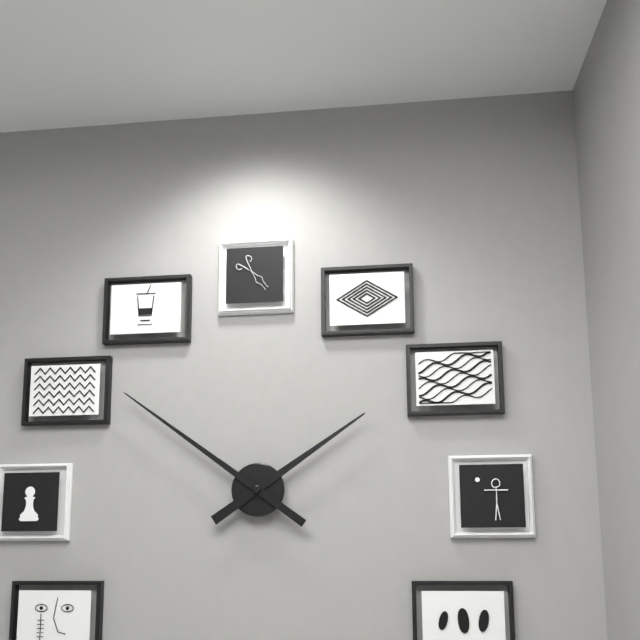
1:51
